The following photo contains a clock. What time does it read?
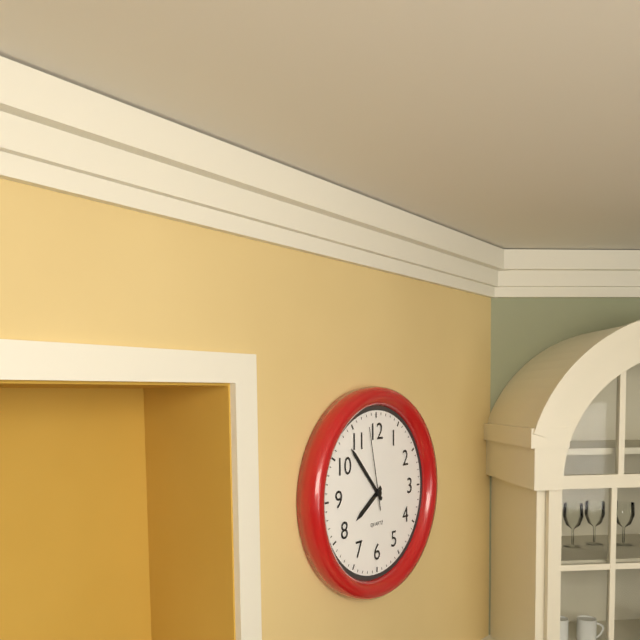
7:53:58
